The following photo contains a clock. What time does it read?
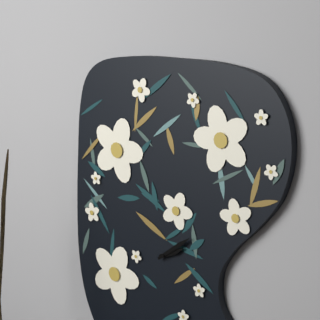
2:09
